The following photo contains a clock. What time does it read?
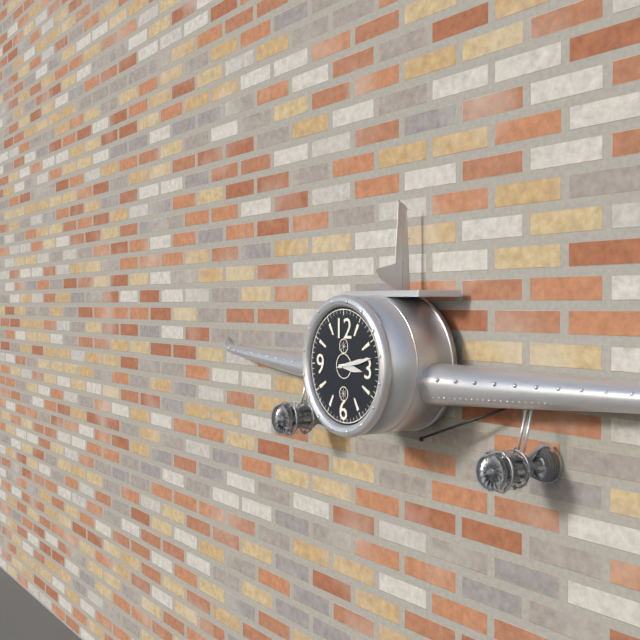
3:13
